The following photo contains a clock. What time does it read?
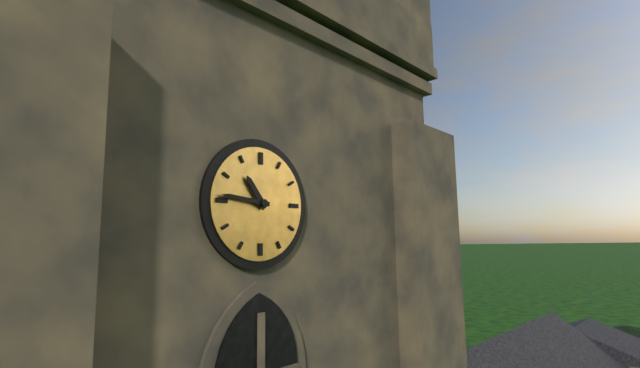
10:46
